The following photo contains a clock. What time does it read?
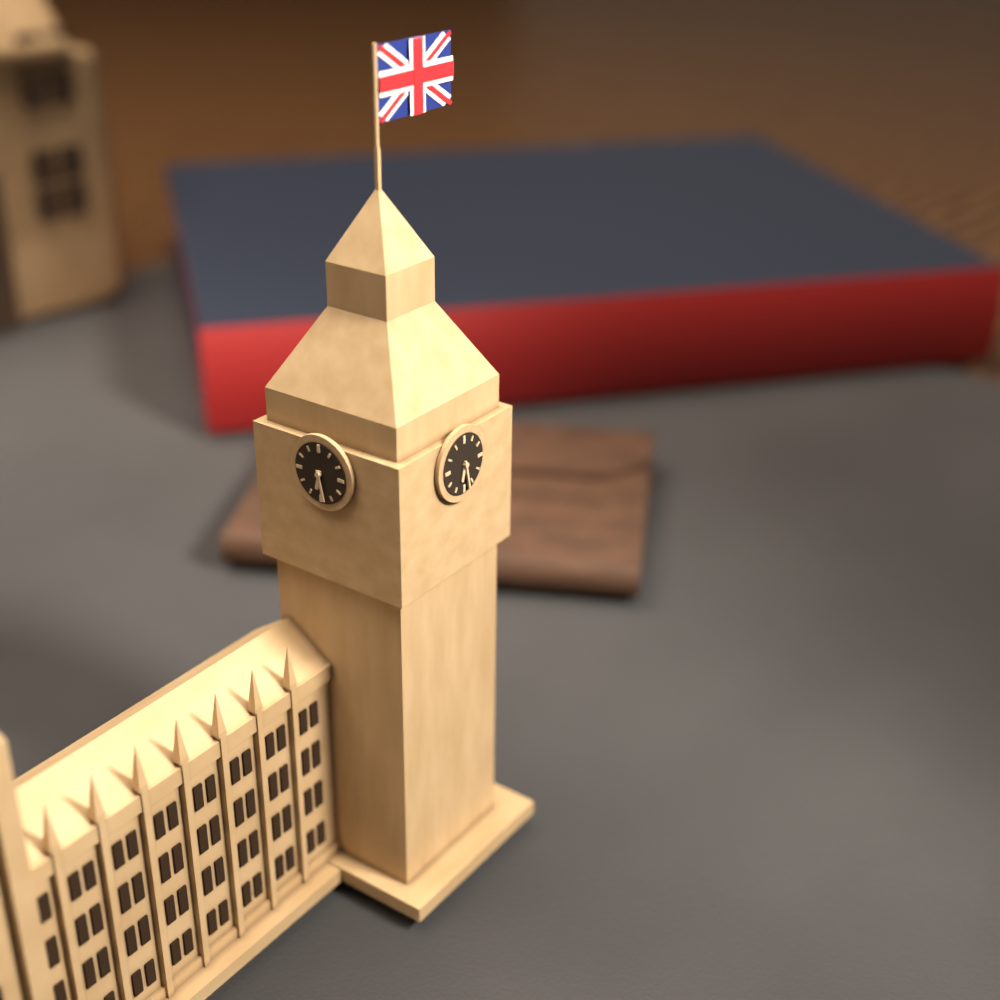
6:28
